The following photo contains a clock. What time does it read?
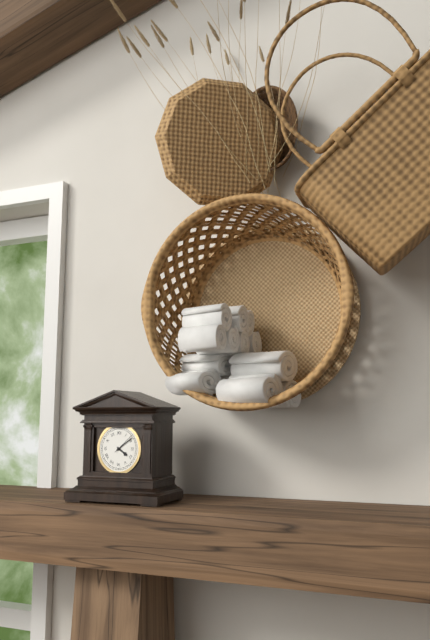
4:09
